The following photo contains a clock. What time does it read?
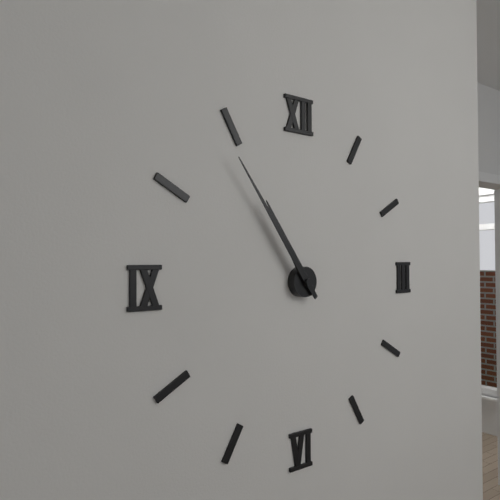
10:54
